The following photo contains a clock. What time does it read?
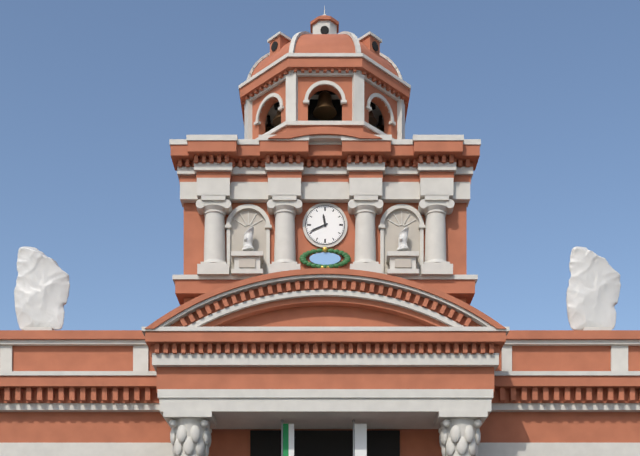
11:41
